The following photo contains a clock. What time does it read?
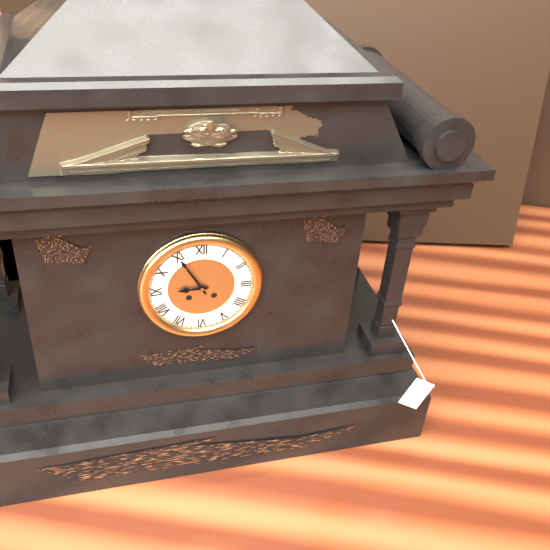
8:55
